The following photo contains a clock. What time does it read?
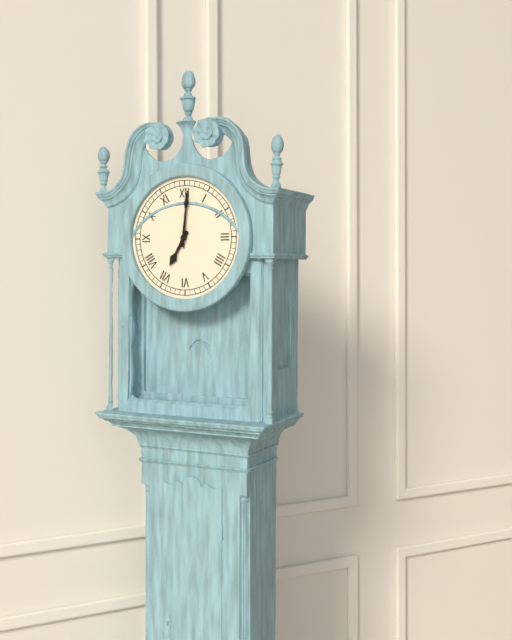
7:01
